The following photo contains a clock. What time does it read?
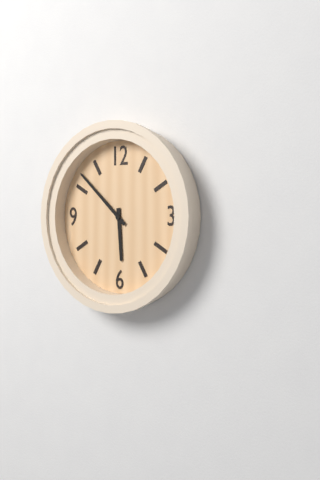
5:52
